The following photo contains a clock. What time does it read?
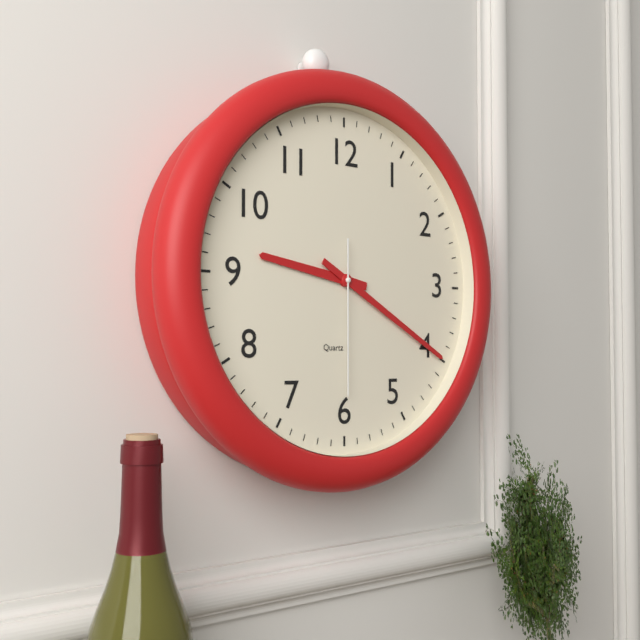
9:20:30
